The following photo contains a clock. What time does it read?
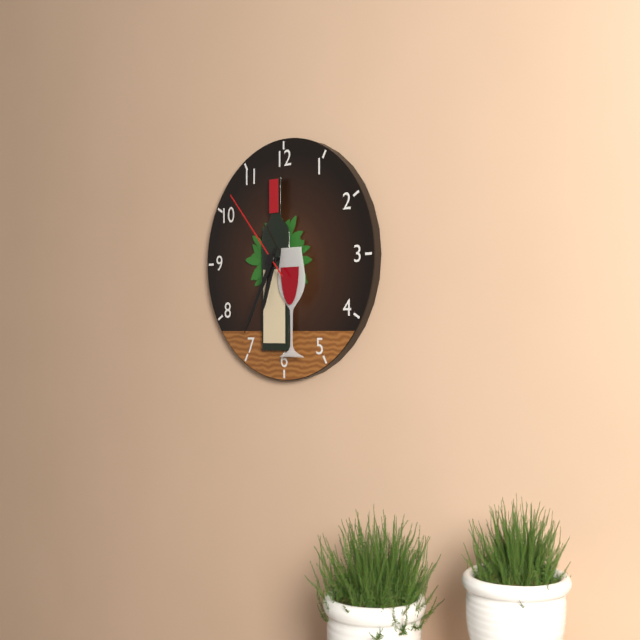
6:35:53
